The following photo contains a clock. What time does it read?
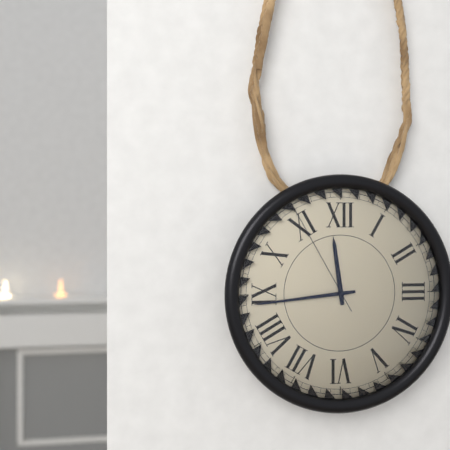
11:44:55
